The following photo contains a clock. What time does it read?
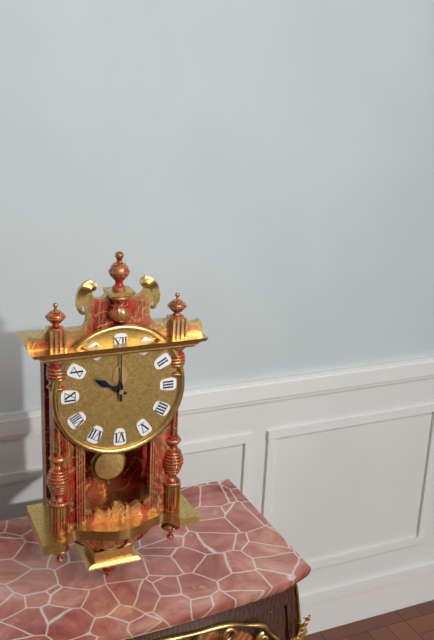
10:00
